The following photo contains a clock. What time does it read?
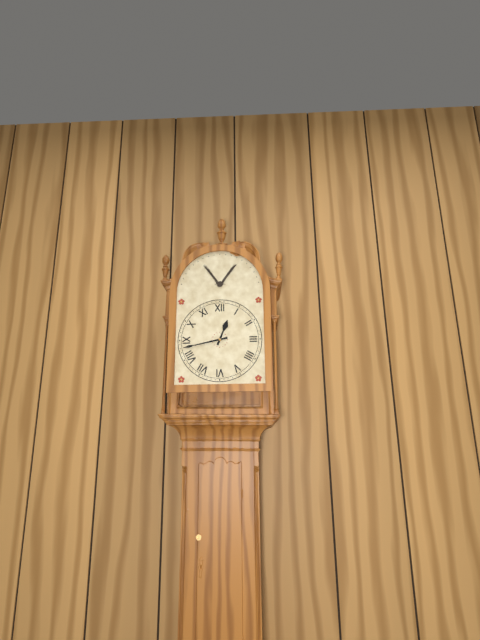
12:43
